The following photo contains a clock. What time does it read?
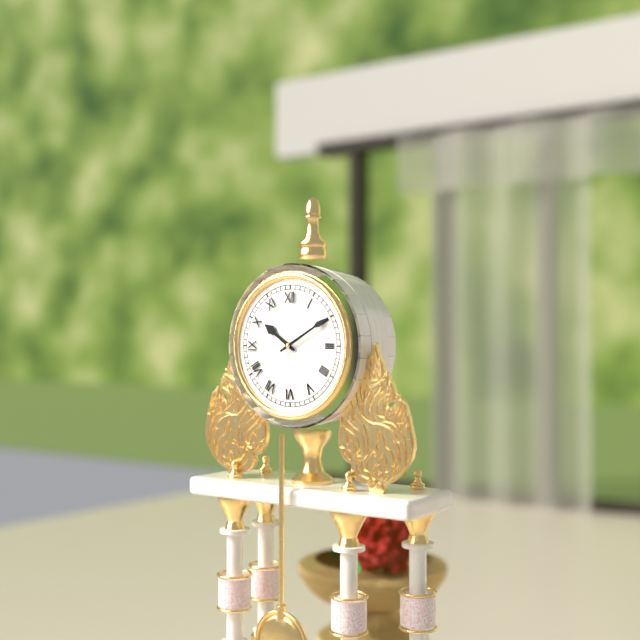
10:10
